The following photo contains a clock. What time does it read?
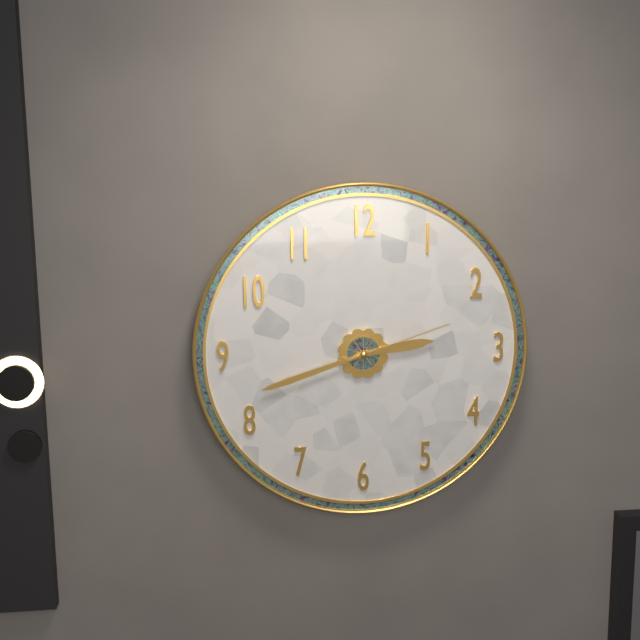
2:42:12
